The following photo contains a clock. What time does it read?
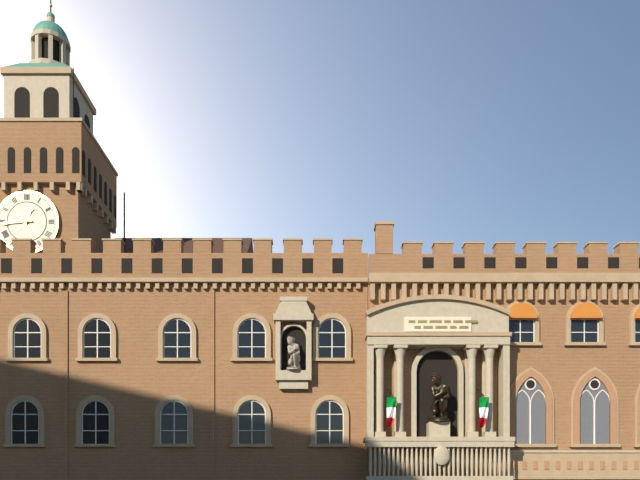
12:44
